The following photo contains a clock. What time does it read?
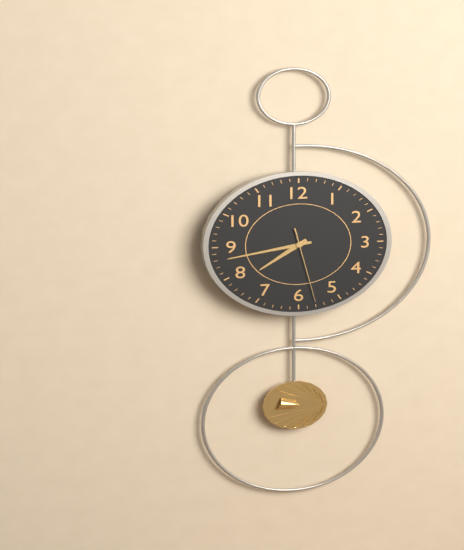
7:43:28
